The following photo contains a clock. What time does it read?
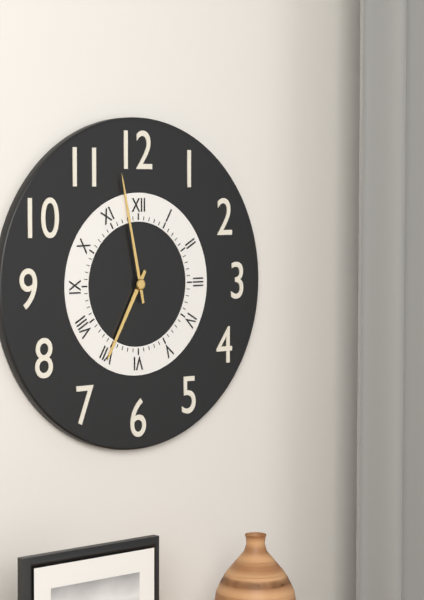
6:58
